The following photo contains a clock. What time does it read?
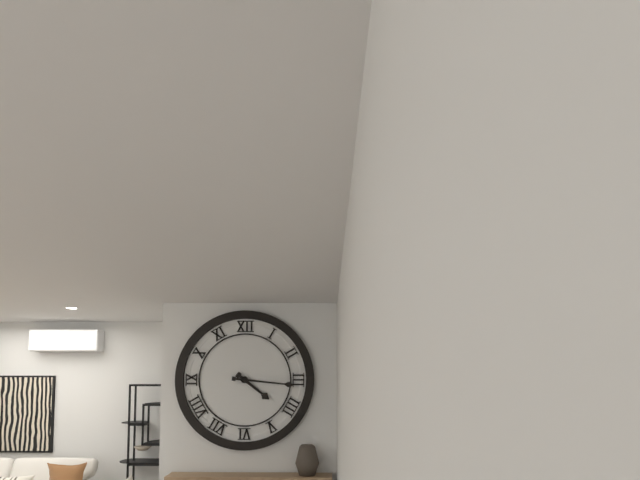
4:16
